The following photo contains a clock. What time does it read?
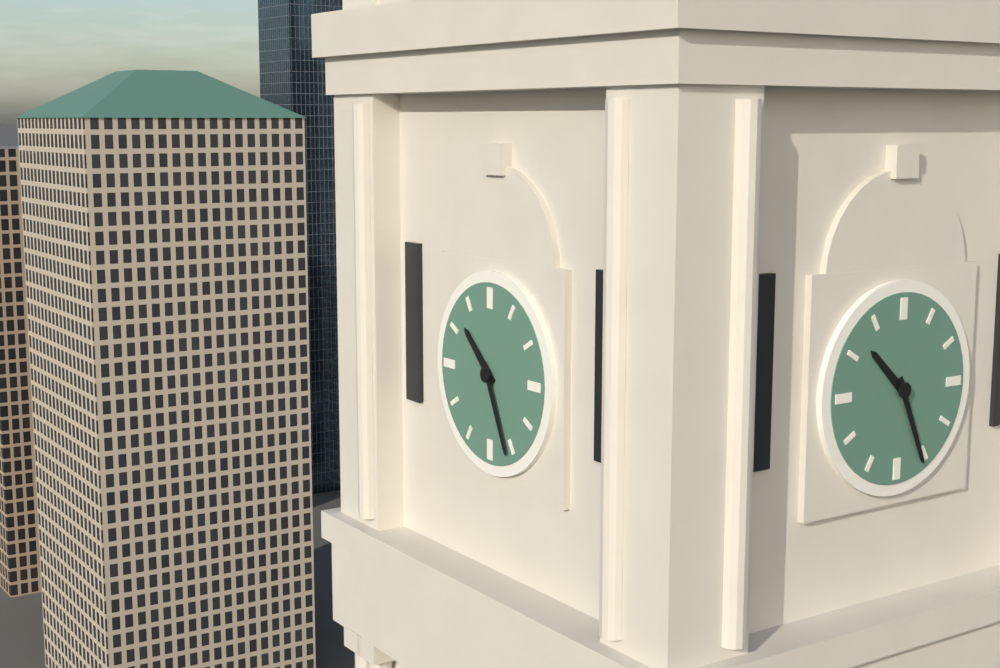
10:26
